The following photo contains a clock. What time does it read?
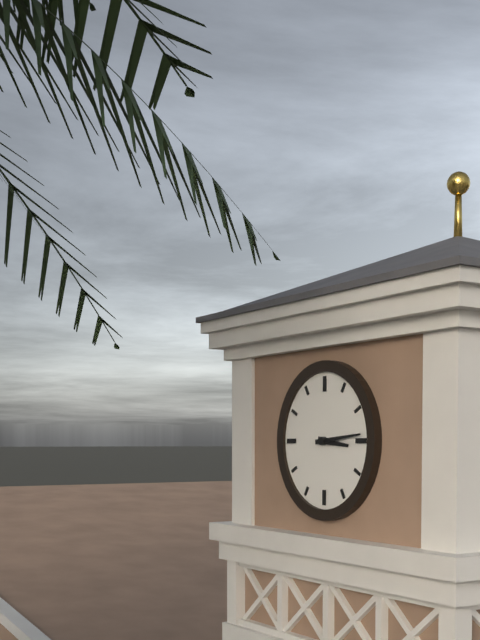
3:14
